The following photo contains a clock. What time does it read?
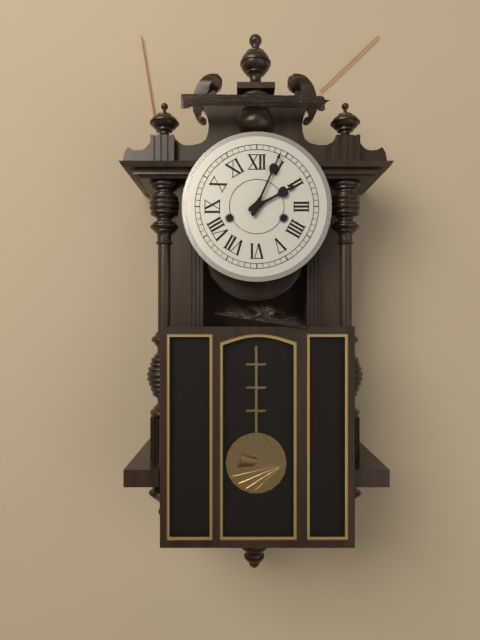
2:04
